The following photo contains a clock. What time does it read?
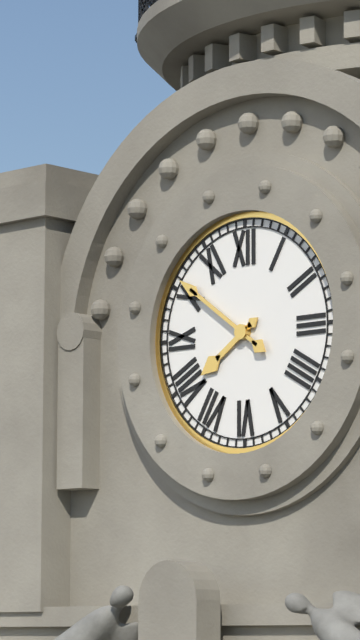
7:51
